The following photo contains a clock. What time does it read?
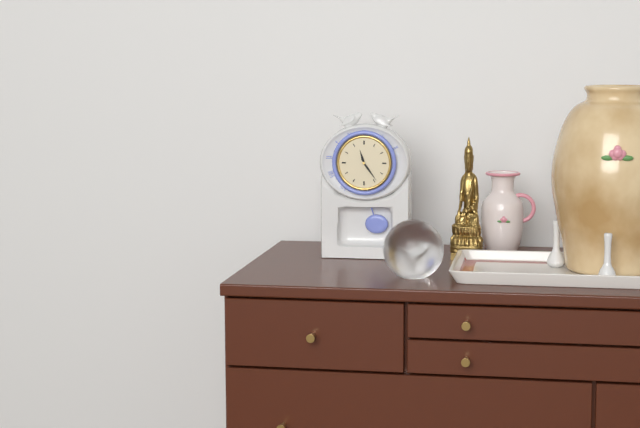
11:24
